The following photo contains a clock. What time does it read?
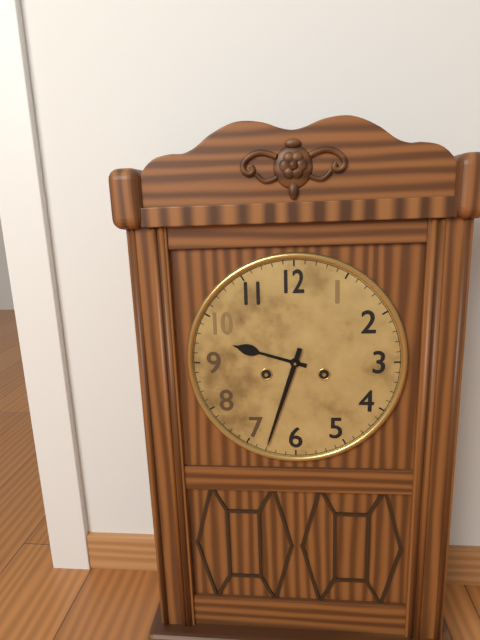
9:33
